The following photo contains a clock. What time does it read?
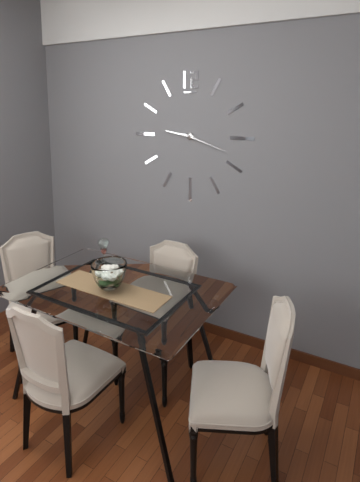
9:18
